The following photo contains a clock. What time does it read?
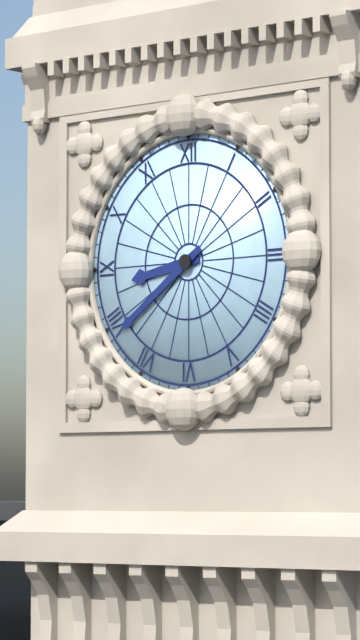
8:39
